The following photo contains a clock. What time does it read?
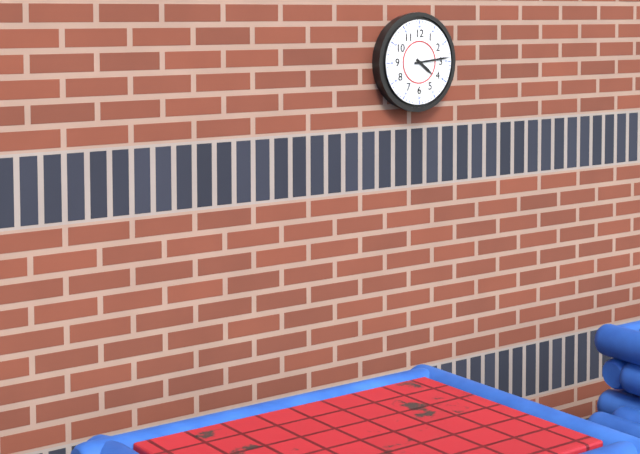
4:14
